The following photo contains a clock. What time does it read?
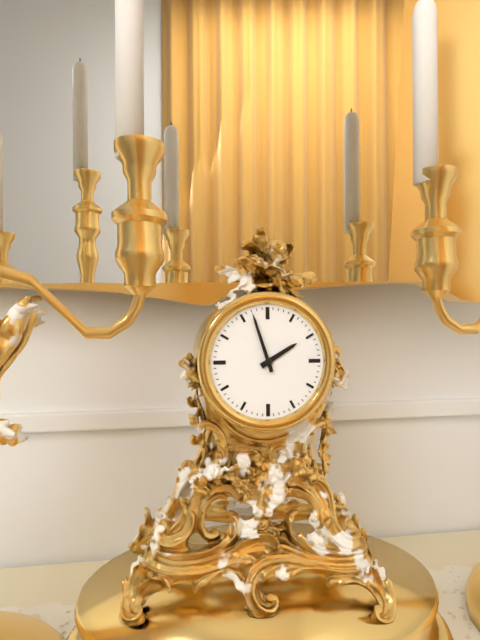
1:57
